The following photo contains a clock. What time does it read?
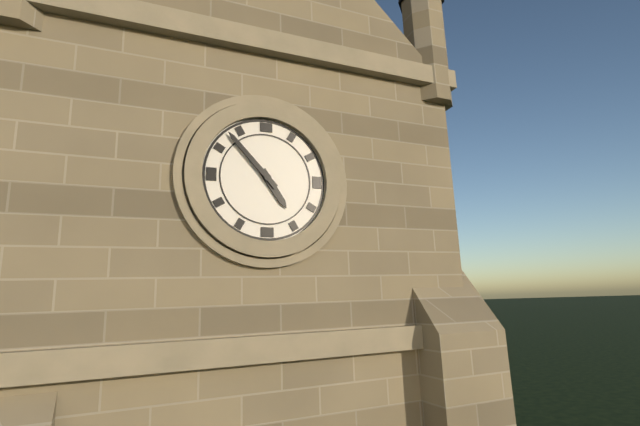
4:53
